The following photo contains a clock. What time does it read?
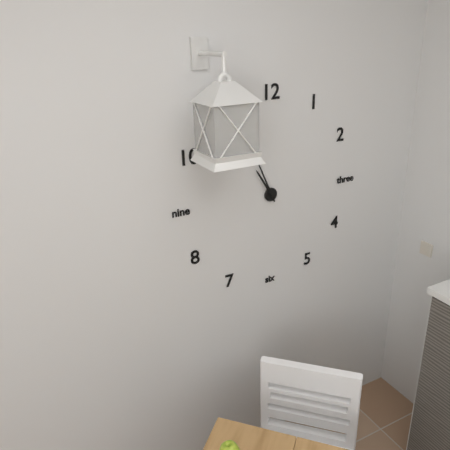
10:56
